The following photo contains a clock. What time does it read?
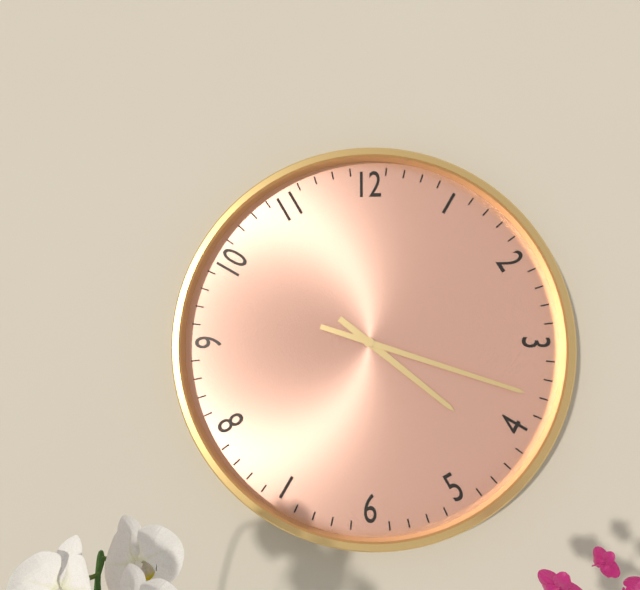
4:18
